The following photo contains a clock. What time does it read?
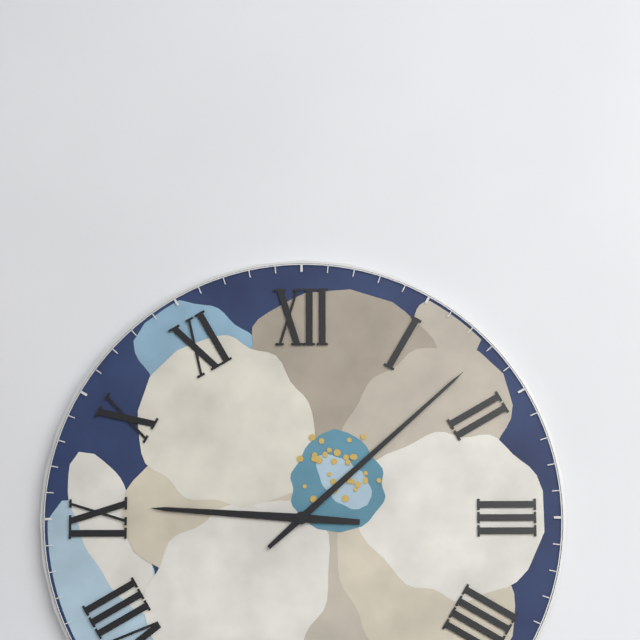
9:08
